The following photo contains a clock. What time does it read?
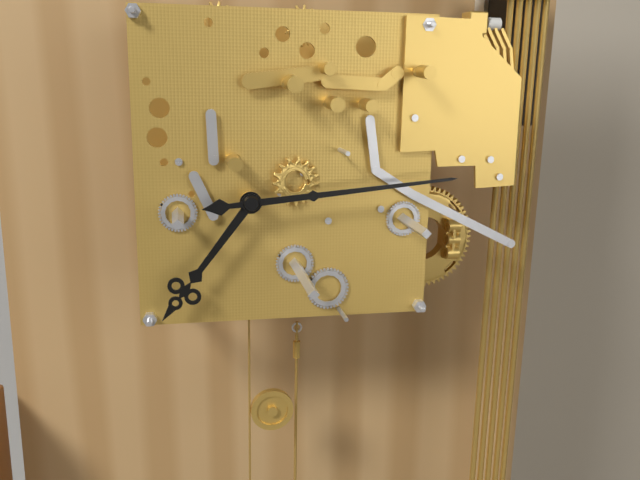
7:14
